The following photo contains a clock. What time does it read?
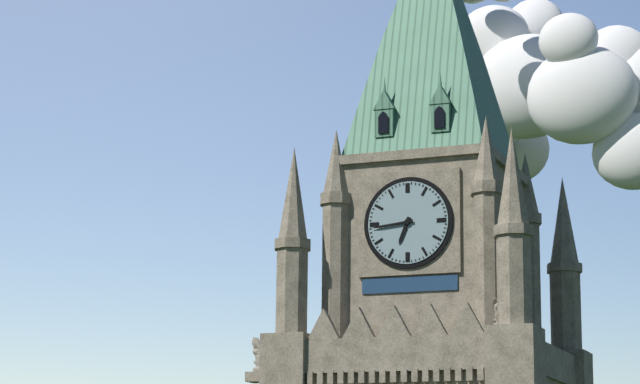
6:44
